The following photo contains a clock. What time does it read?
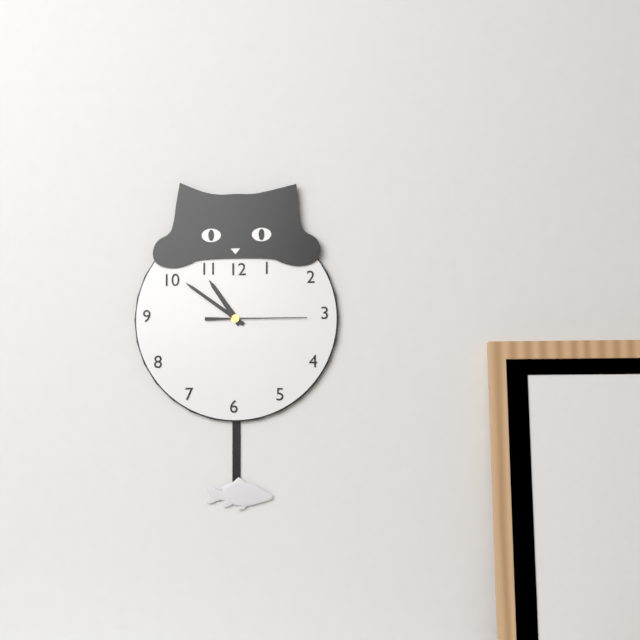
10:51:15
